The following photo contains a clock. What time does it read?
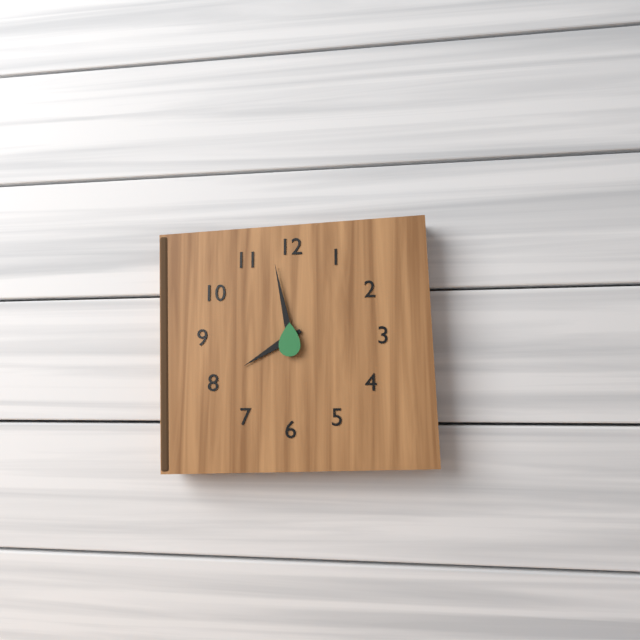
7:58
